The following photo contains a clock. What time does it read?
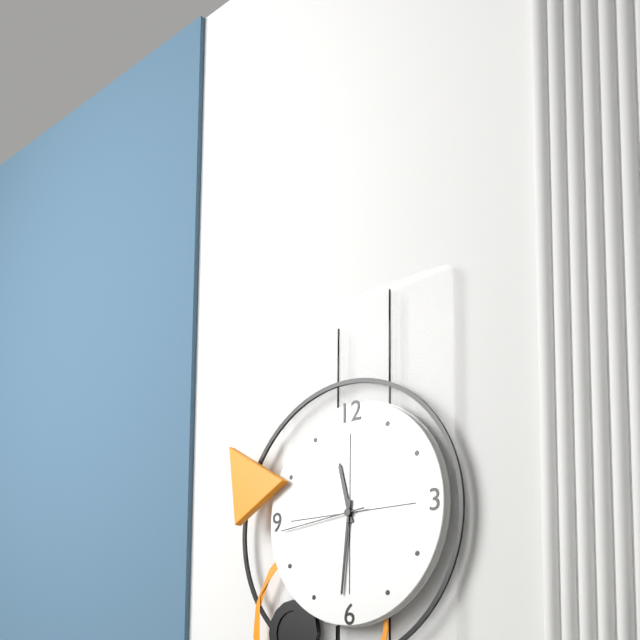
11:31:44
